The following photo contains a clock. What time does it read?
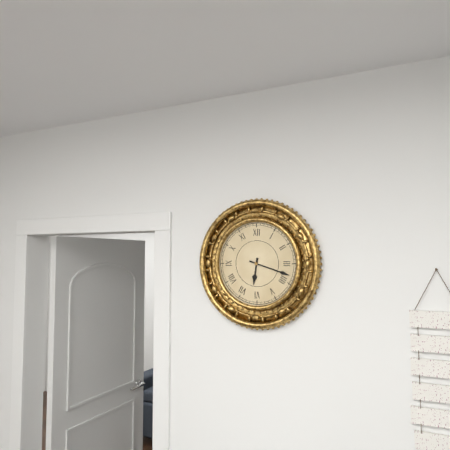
6:18
